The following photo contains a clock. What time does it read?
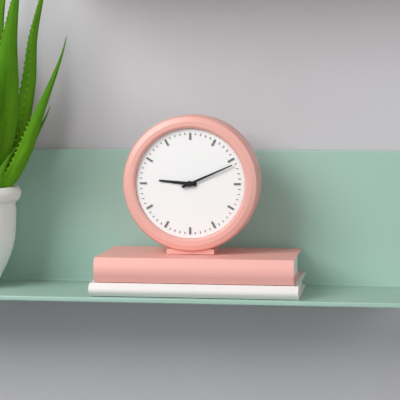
9:11
